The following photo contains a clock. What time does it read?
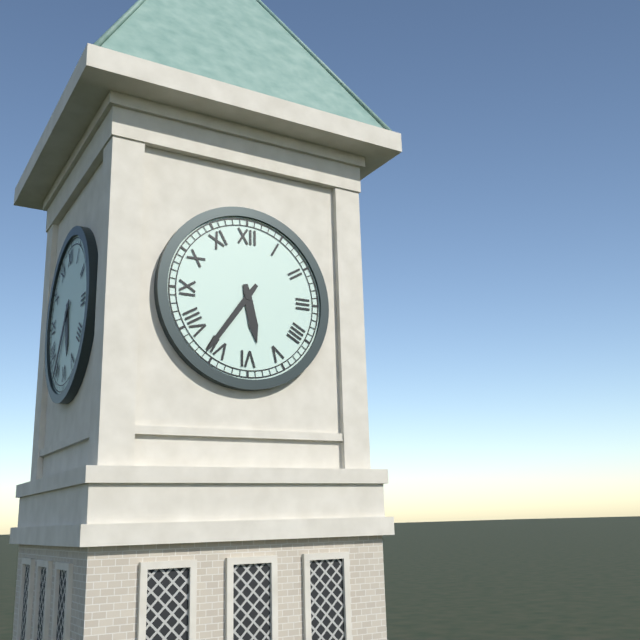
5:36
